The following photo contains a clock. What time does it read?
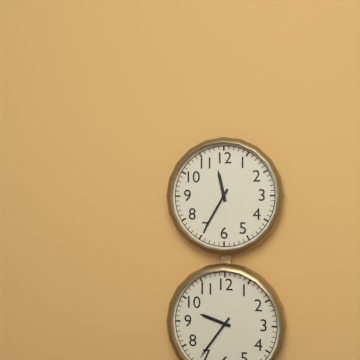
11:35
